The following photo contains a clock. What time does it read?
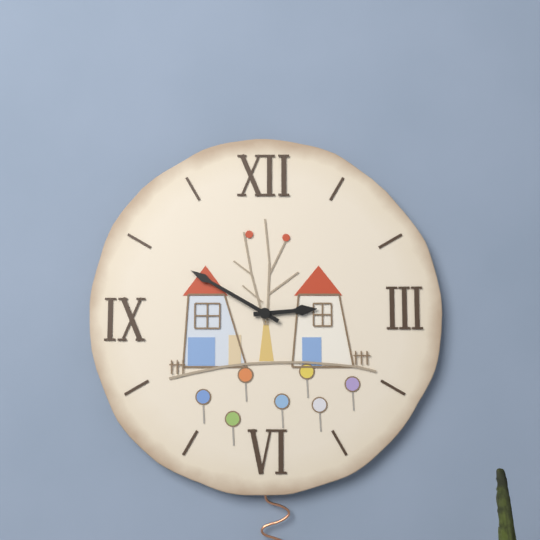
2:50
